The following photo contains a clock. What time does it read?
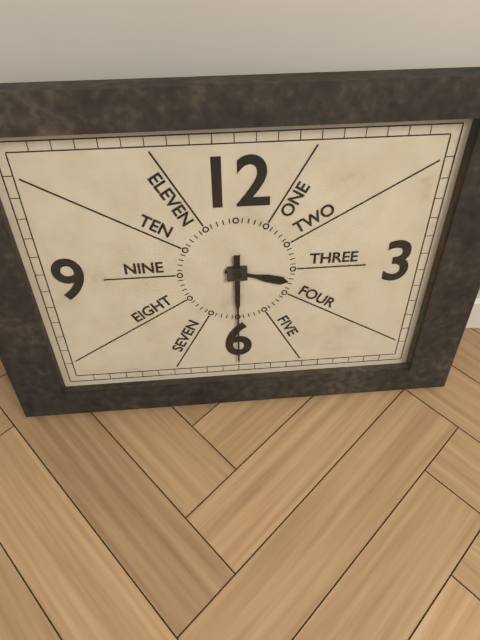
3:30
